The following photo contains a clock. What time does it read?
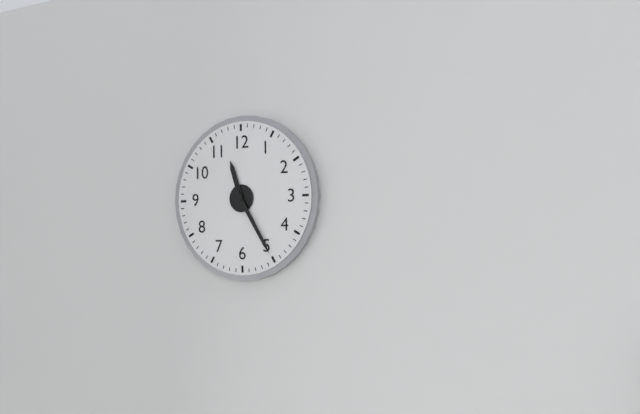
11:25
